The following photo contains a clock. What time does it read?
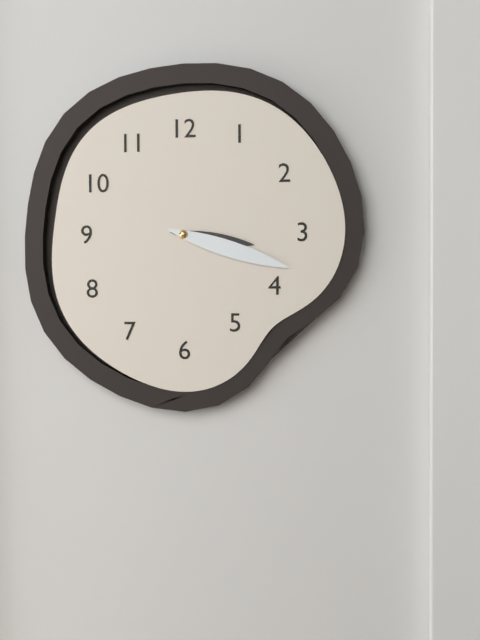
3:18
